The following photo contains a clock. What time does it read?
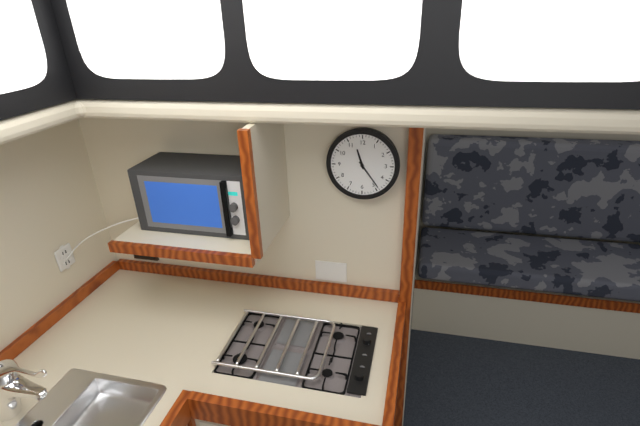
11:24
